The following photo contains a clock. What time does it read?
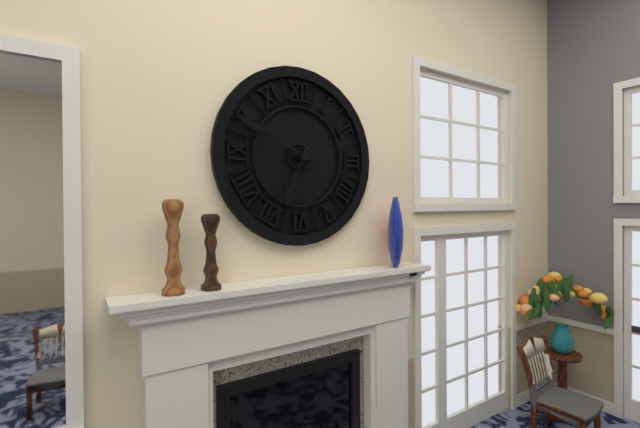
6:49
